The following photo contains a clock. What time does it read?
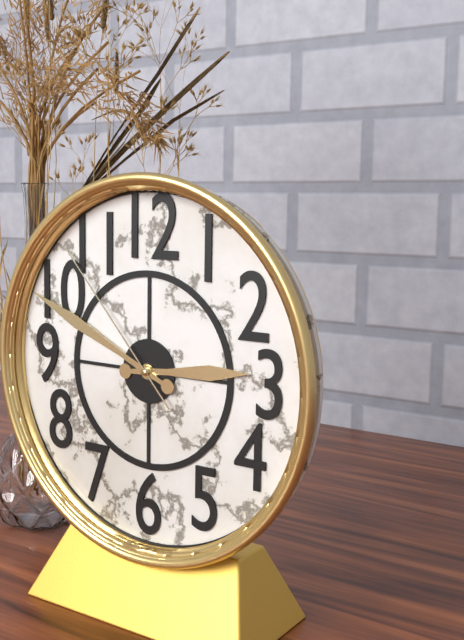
2:49:53
